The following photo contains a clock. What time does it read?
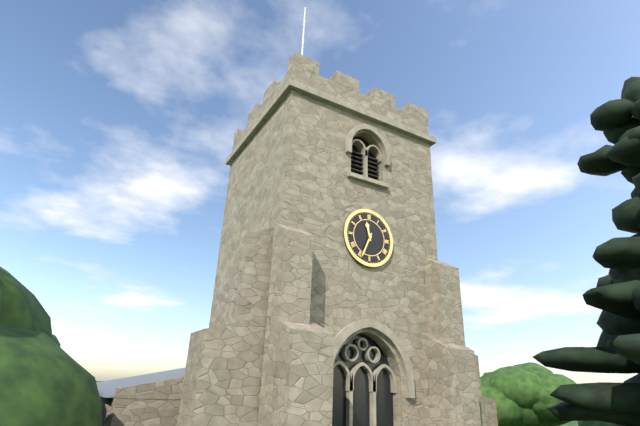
11:34
